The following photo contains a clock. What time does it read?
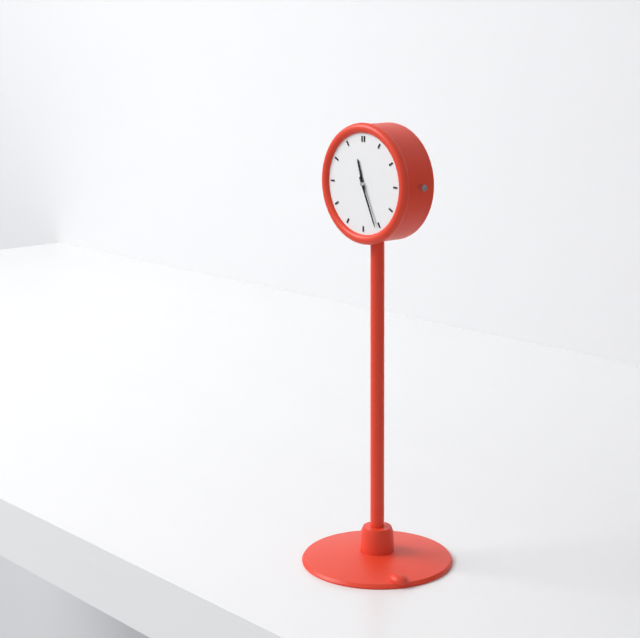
11:26
